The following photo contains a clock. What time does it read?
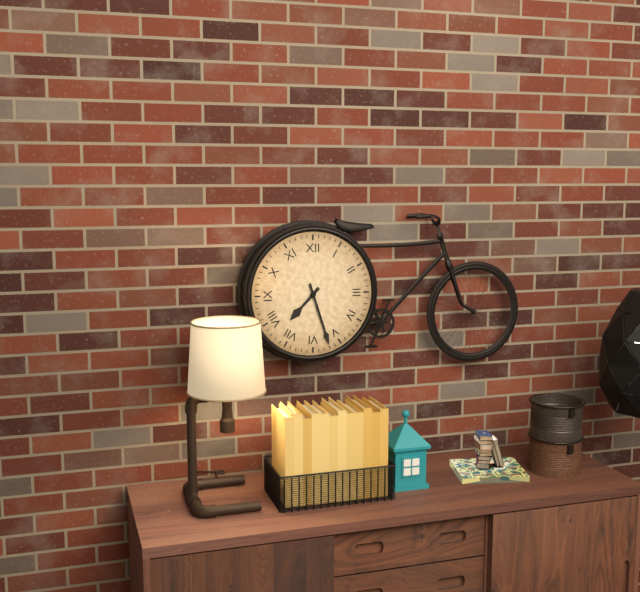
7:27
